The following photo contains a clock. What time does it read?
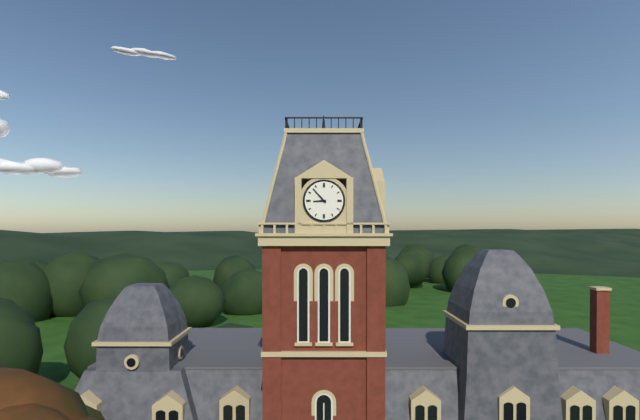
8:53
